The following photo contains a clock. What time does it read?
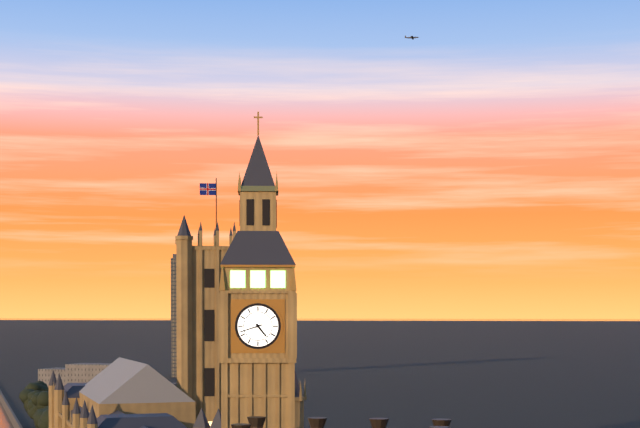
4:42
